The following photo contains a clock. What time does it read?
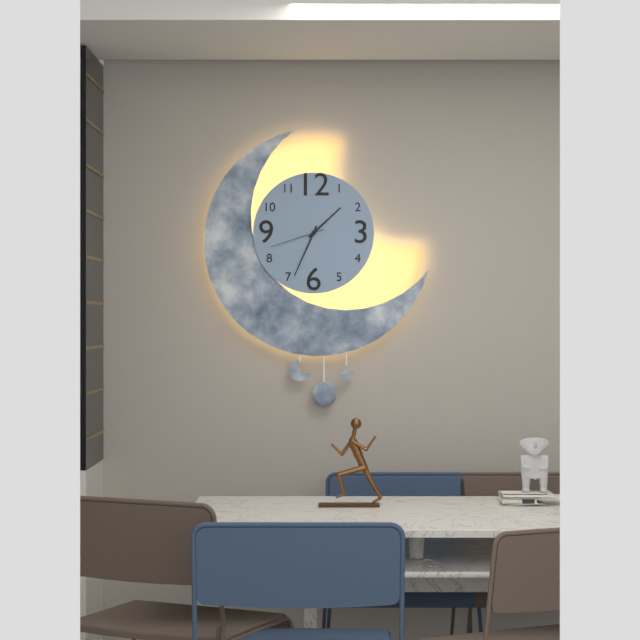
1:34:42
